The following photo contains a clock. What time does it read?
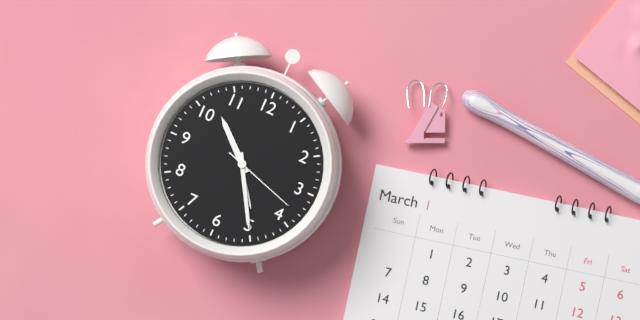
10:25:18
